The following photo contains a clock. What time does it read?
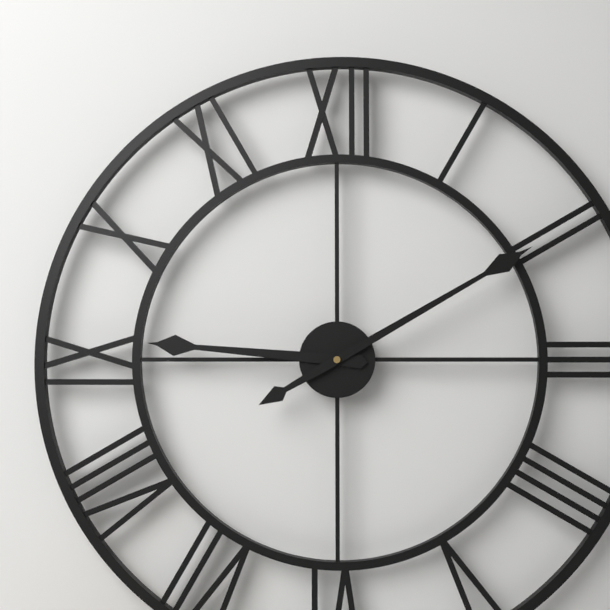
9:10
